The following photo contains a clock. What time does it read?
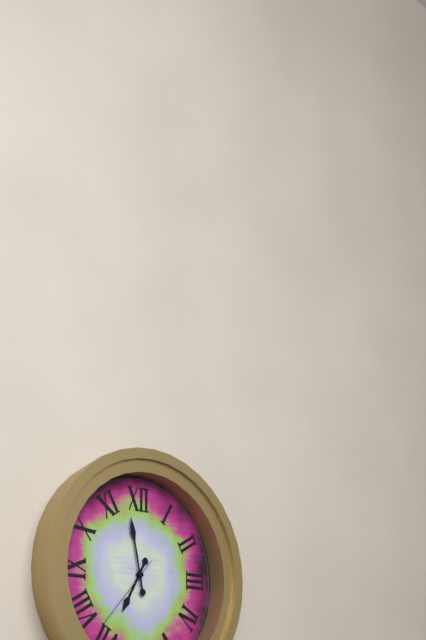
6:58:37
